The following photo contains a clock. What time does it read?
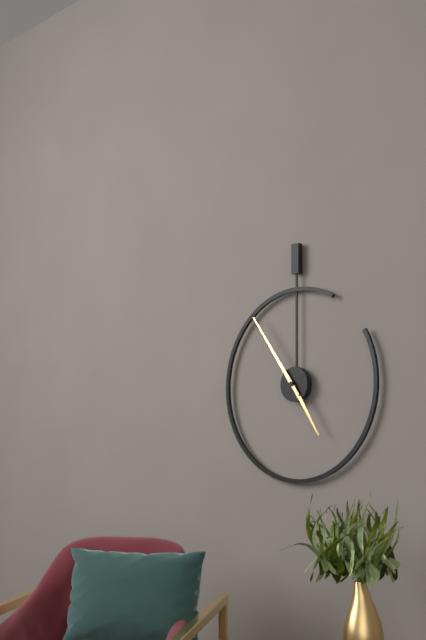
4:54
